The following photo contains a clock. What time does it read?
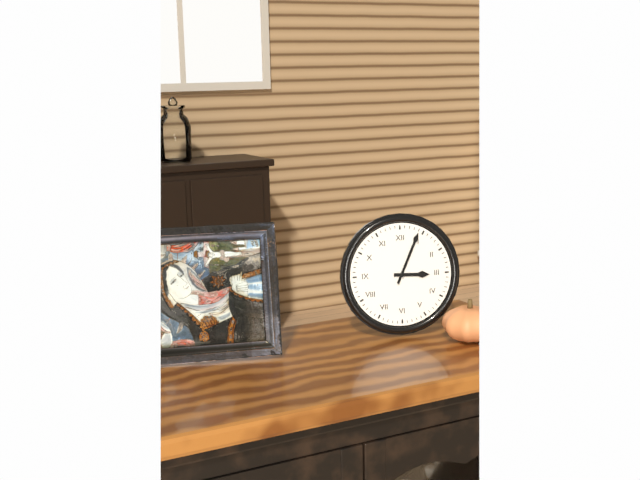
3:04
